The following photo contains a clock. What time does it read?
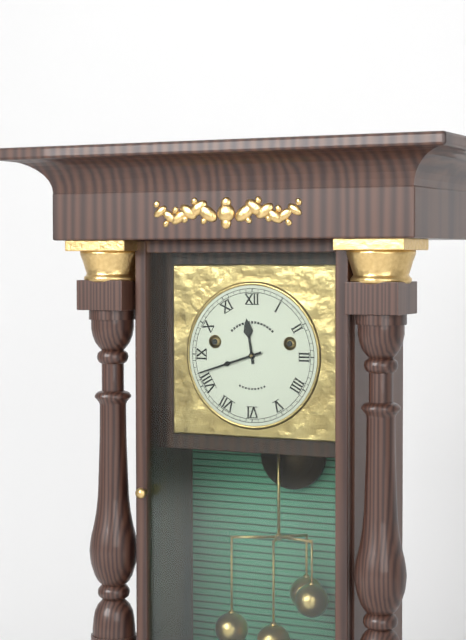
11:42
